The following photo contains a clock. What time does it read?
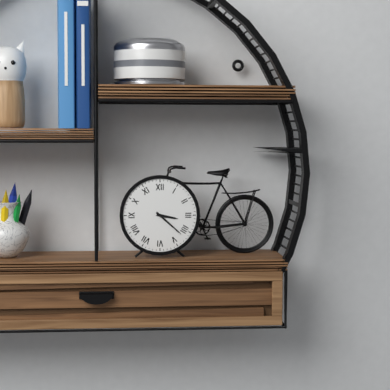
3:22
